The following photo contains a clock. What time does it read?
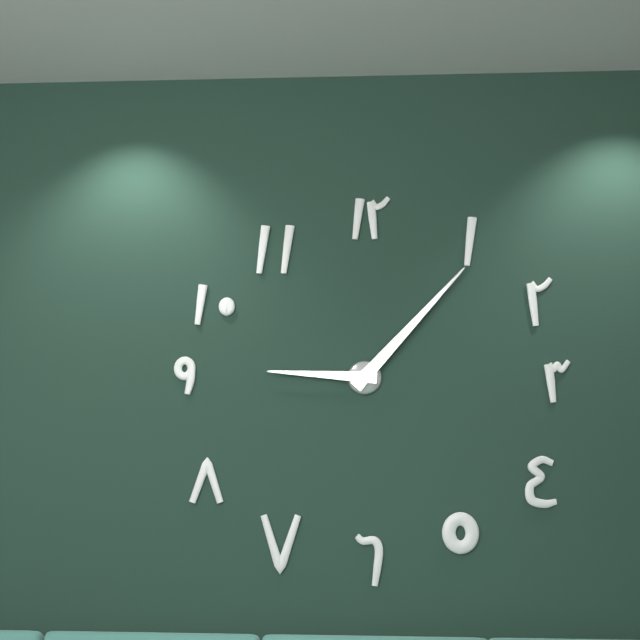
9:07
